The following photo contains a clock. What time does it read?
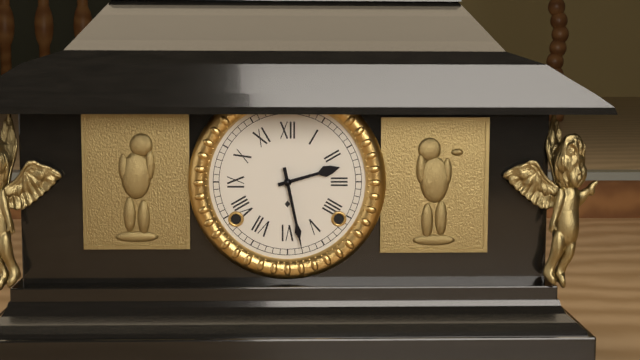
2:28
